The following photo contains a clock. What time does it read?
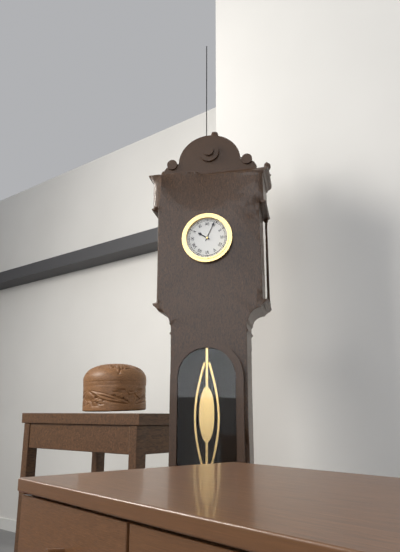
10:04
